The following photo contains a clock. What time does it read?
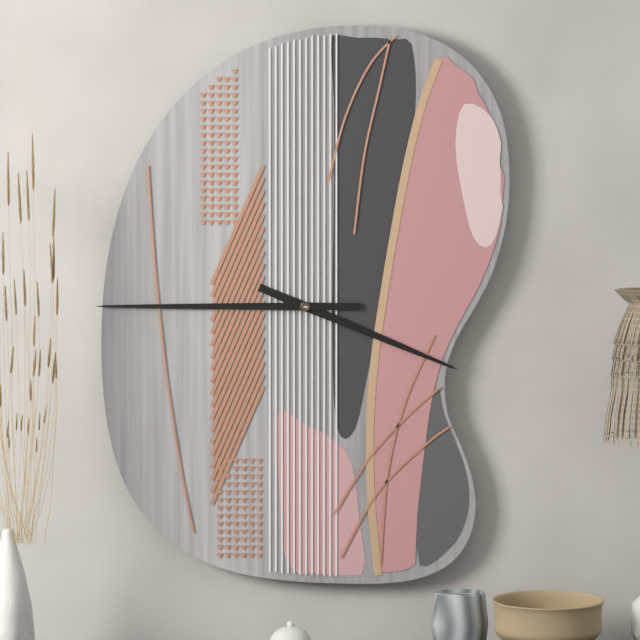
3:45
